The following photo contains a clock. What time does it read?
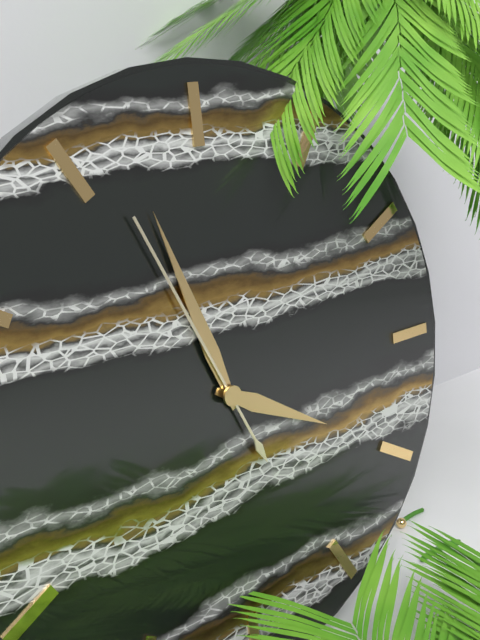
3:57:56
